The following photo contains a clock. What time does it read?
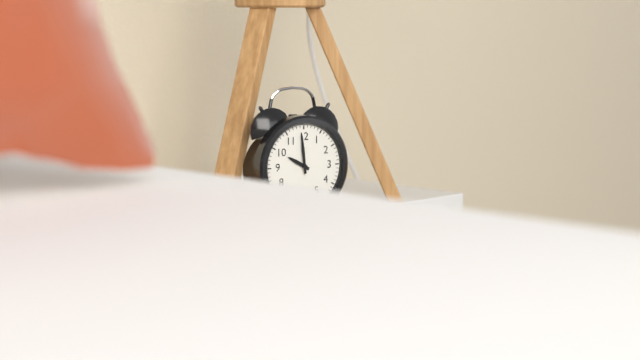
9:59
